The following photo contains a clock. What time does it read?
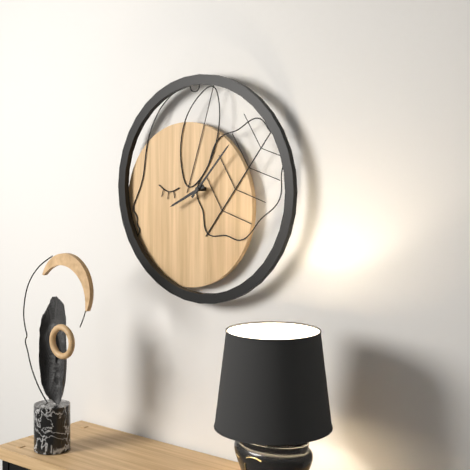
8:07
